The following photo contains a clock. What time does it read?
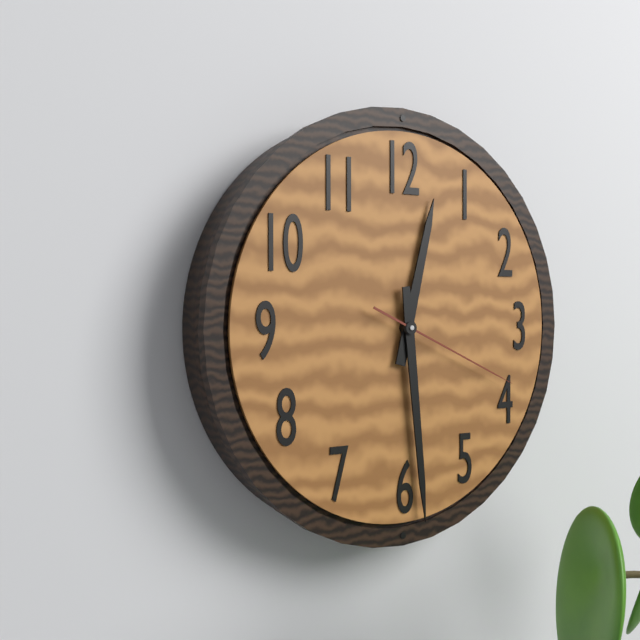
12:29:19
